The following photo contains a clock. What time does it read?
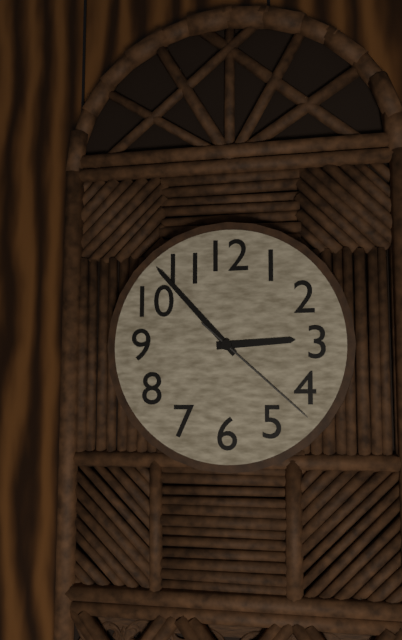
2:53:22
